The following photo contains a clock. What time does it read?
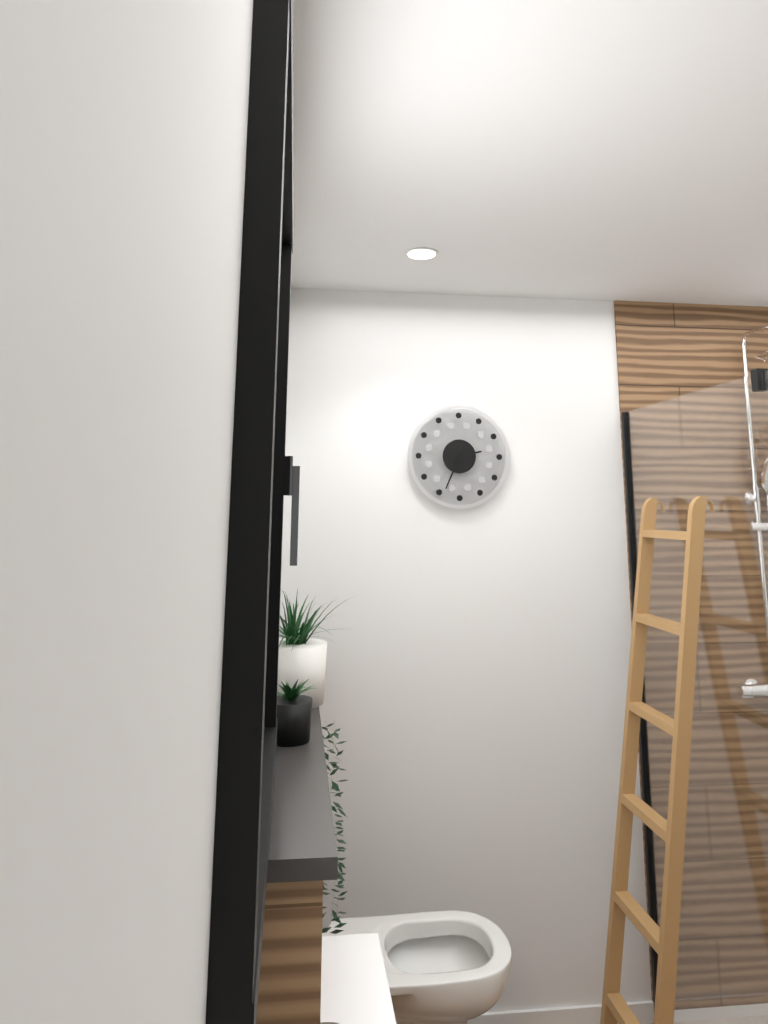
2:34
